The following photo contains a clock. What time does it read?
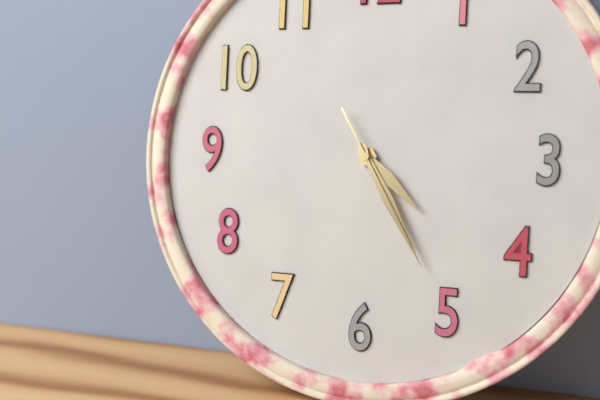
4:25:25
